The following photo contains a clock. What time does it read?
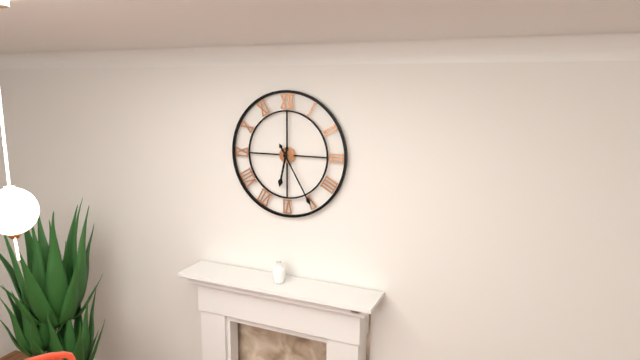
6:25
